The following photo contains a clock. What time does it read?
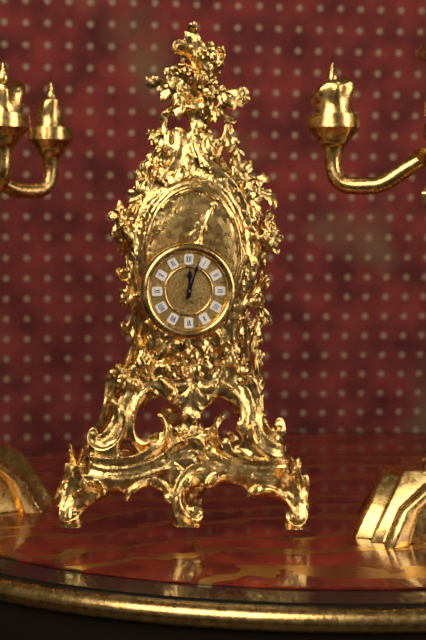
12:03
